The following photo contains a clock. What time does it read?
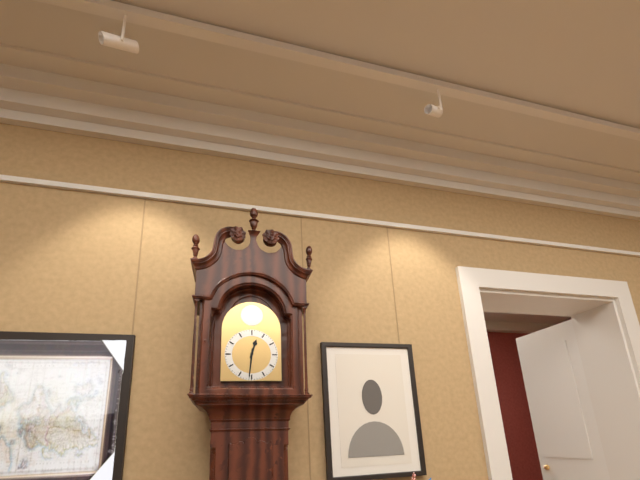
12:31
